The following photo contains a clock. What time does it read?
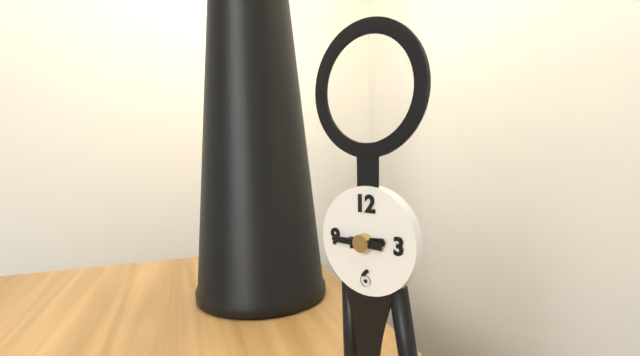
2:45
